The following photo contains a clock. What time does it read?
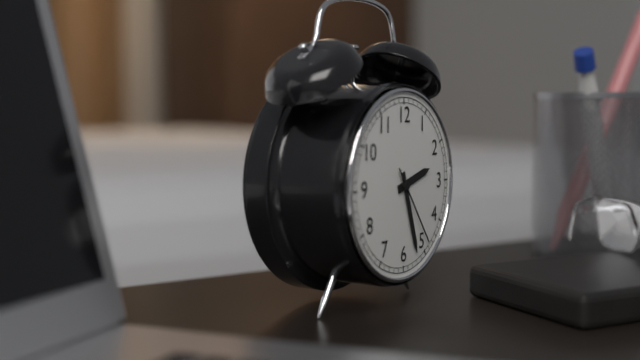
2:27:24
